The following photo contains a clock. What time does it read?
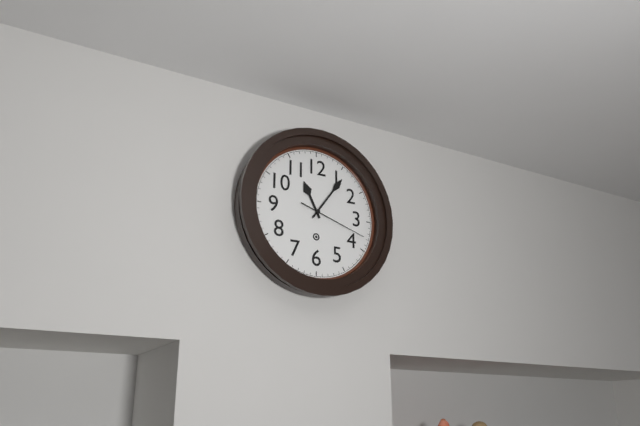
11:06:18
